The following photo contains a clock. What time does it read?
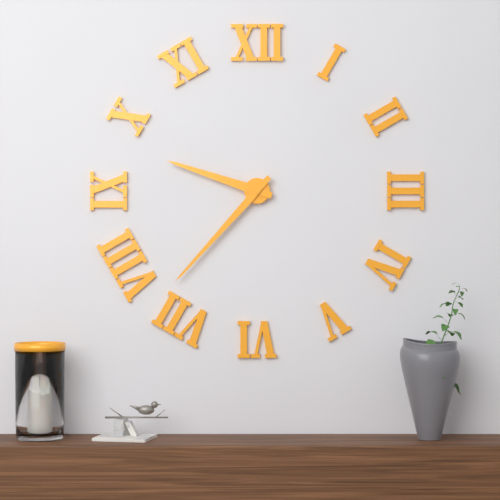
9:37
